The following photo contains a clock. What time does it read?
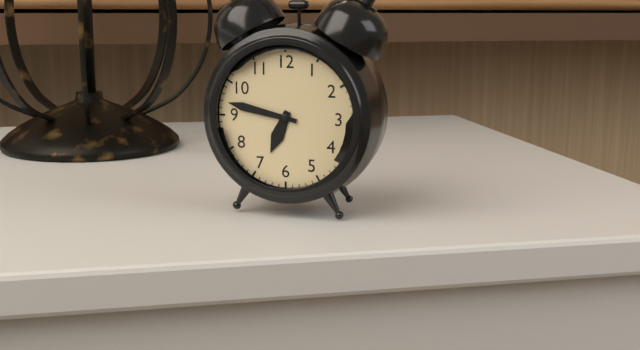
6:47
